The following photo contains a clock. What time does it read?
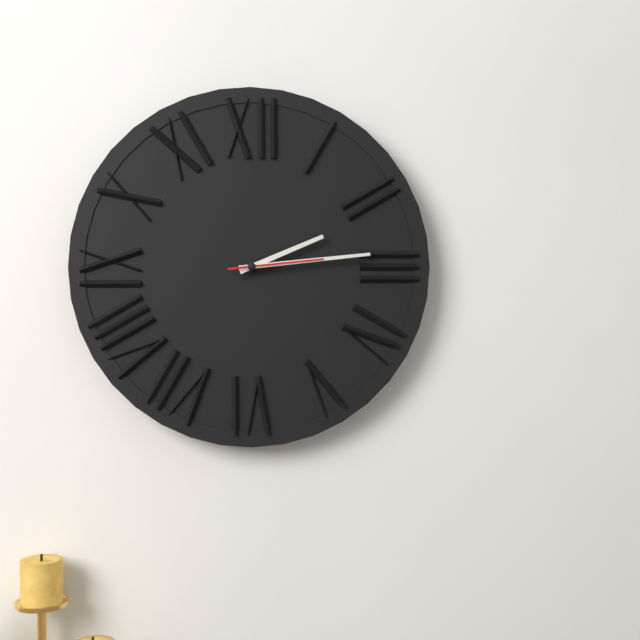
2:14:14
